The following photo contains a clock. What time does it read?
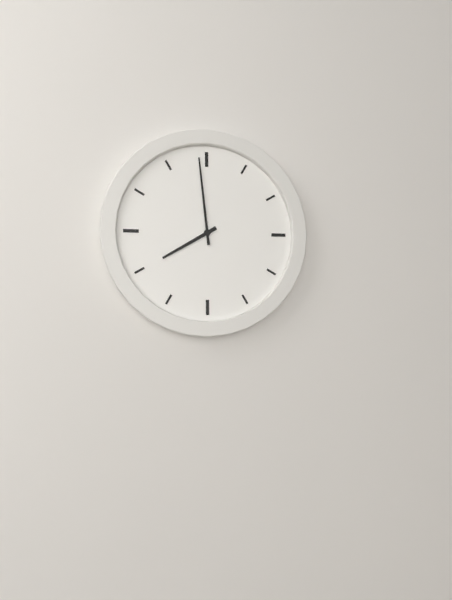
7:59
